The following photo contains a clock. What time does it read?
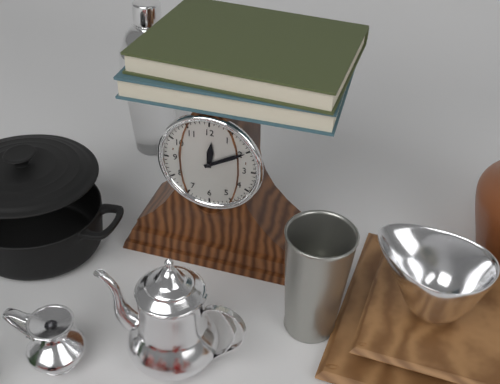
12:10
